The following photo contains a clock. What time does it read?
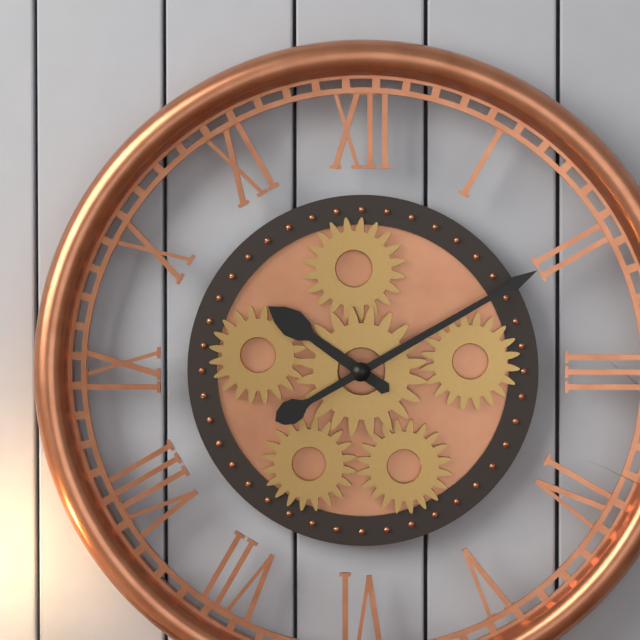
10:10
